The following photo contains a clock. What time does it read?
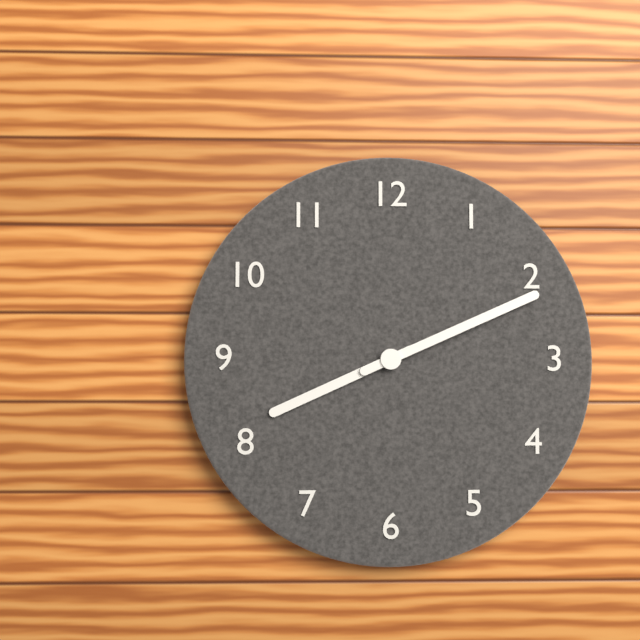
8:11
